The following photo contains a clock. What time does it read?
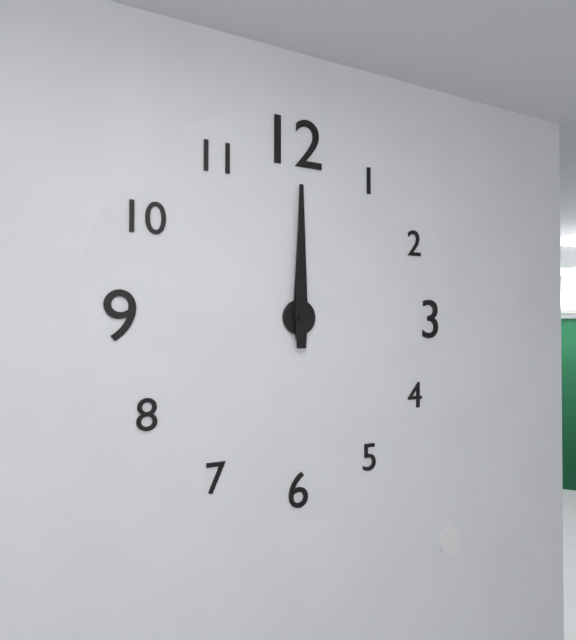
12:00
